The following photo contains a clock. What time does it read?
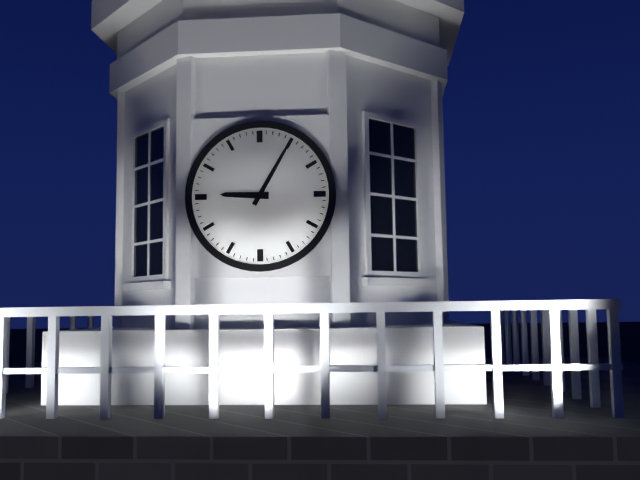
9:05
